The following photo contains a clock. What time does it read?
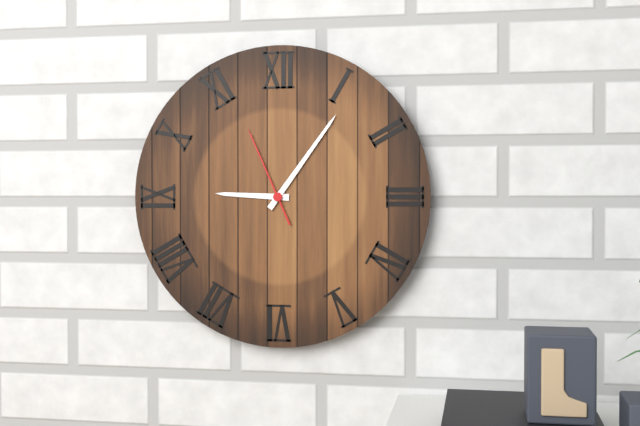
9:06:56
